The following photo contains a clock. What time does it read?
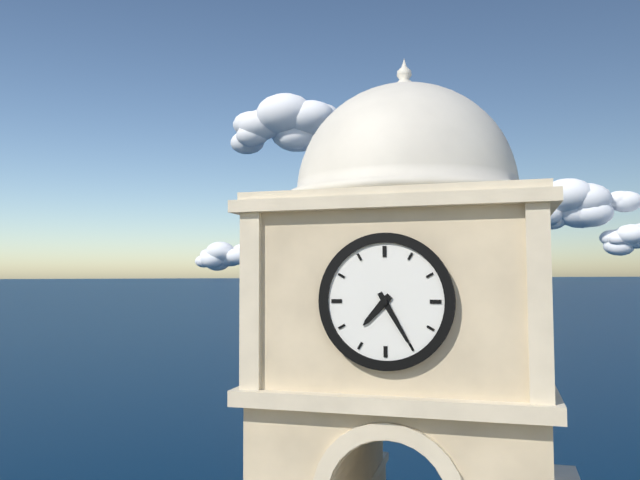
7:25
